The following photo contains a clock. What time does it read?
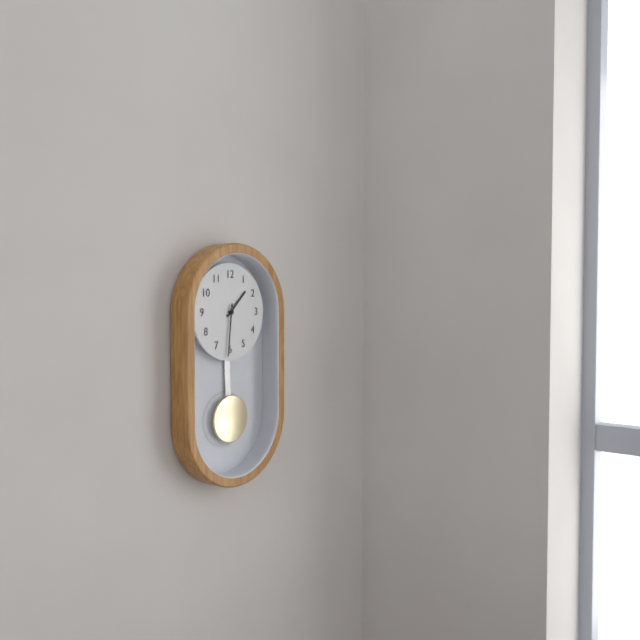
1:31
